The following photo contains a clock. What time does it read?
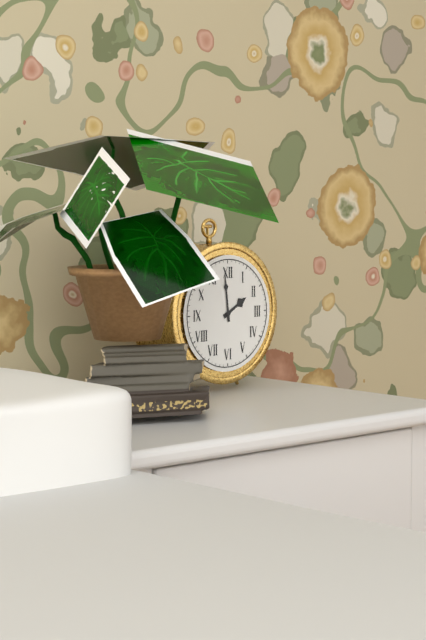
1:59
